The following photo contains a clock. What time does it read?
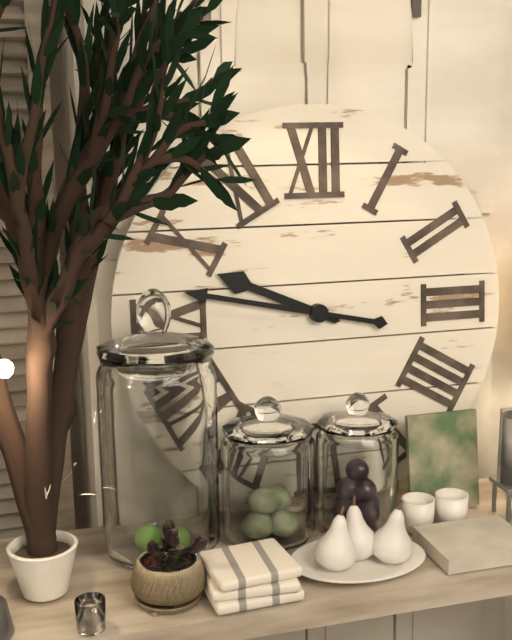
9:47
